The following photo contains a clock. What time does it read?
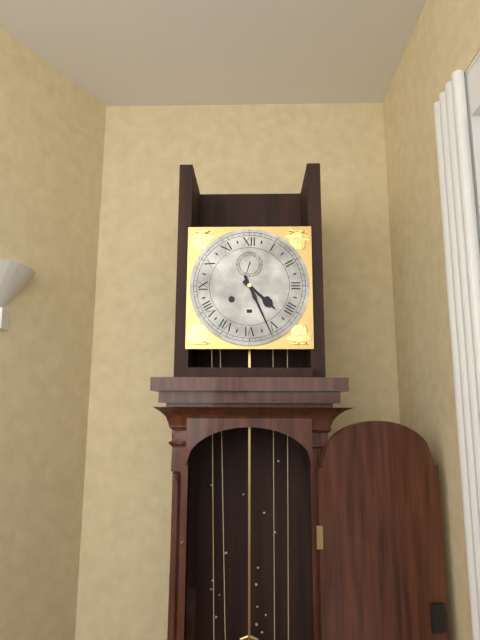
4:26
